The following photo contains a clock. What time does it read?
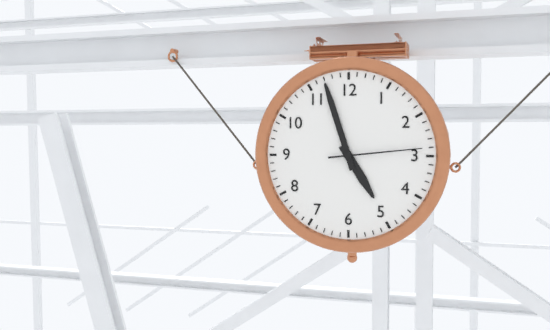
4:57:14
